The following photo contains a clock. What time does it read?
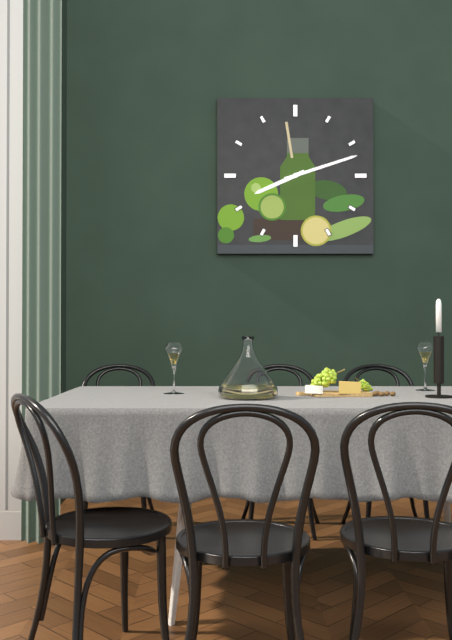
8:12
